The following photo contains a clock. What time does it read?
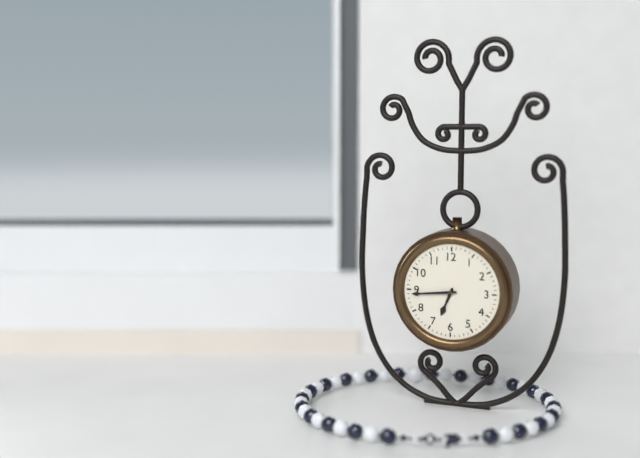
6:44
